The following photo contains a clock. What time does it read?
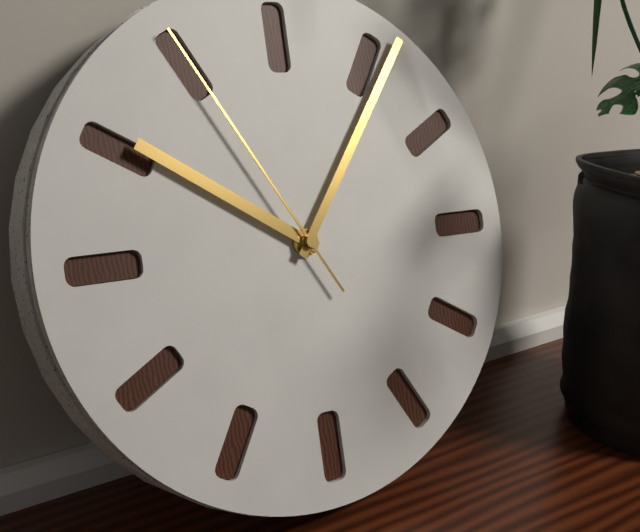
10:06:55
